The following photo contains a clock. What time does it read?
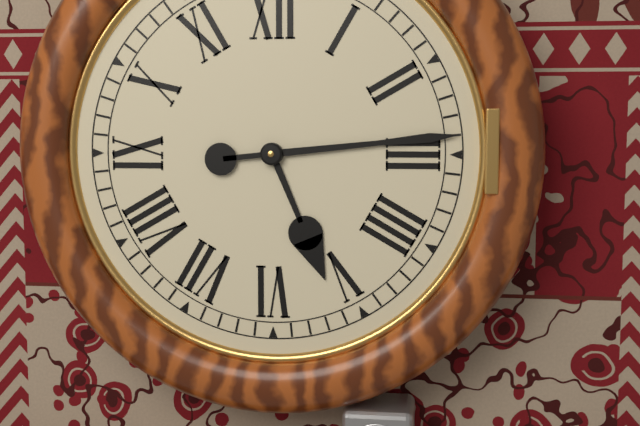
5:14
